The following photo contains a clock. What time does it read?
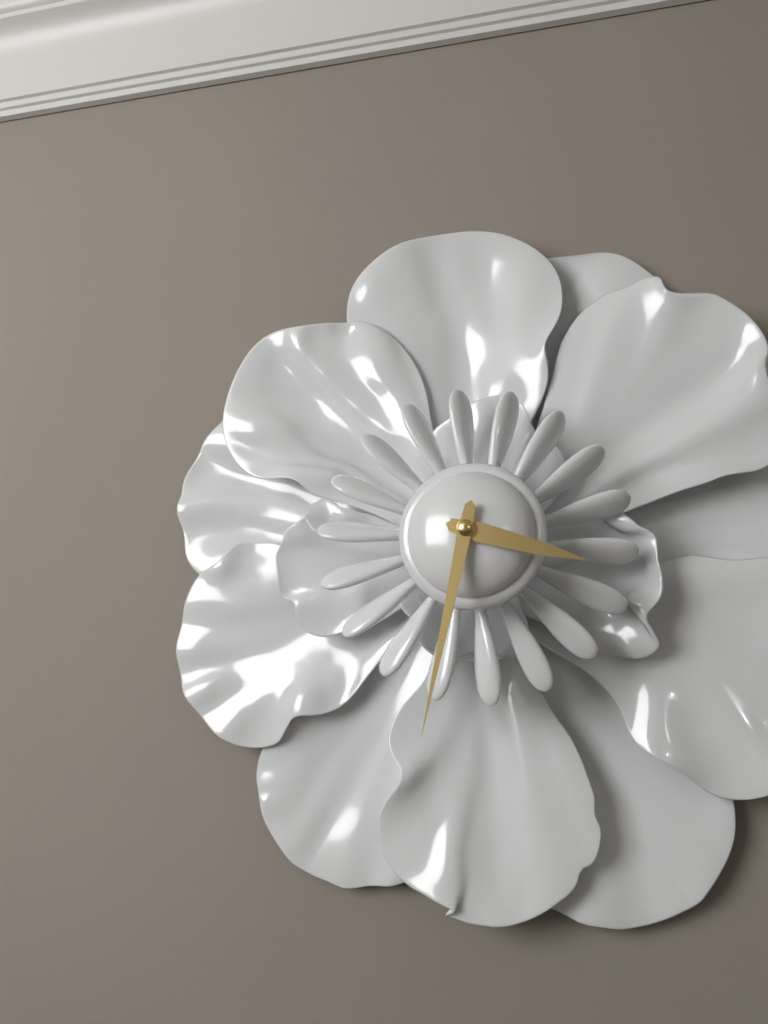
3:32
